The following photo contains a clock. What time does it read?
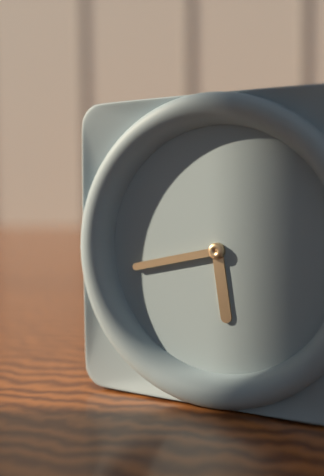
5:43
